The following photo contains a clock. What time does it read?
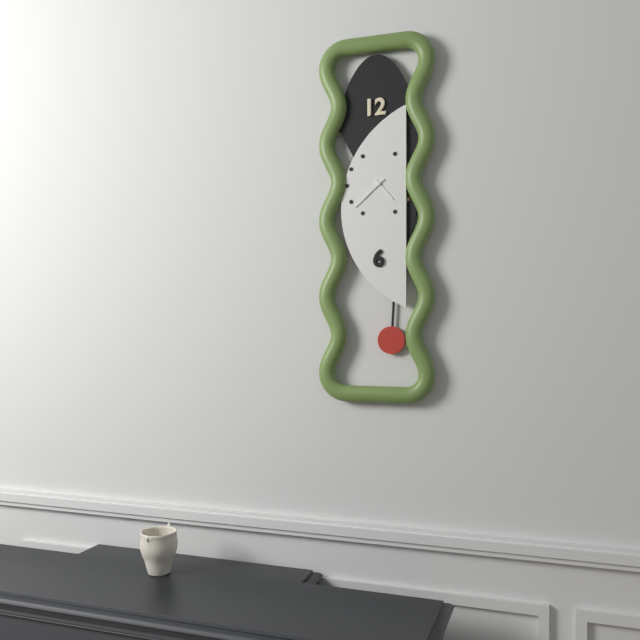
4:38
